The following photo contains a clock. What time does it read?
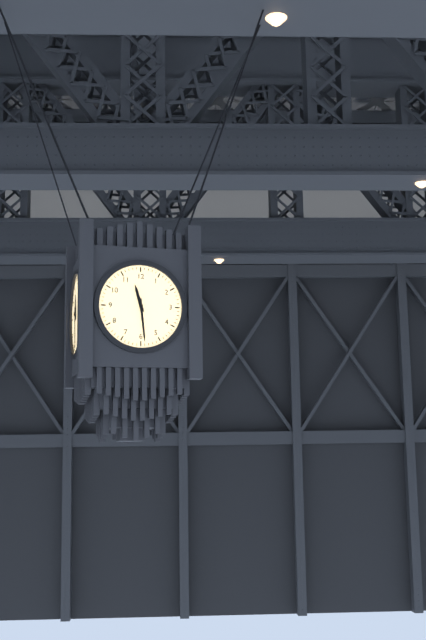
11:29
